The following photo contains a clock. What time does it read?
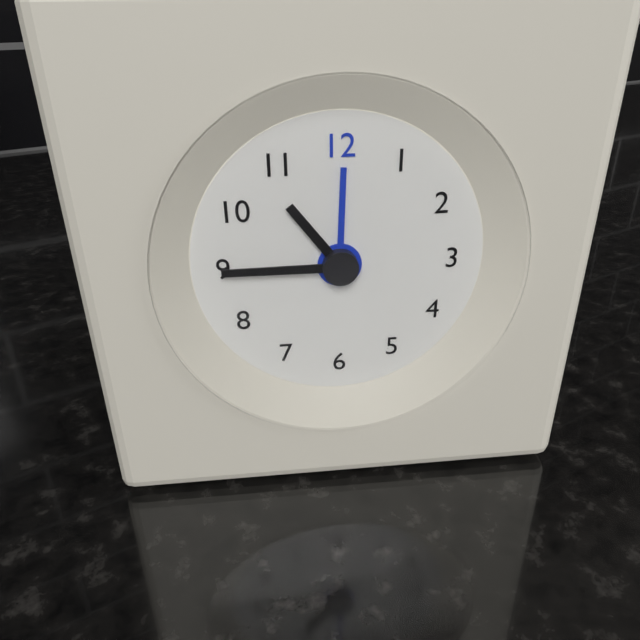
10:45
